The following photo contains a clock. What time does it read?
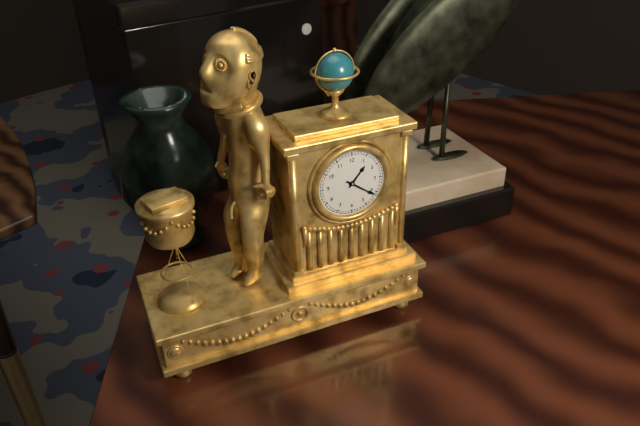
1:21
